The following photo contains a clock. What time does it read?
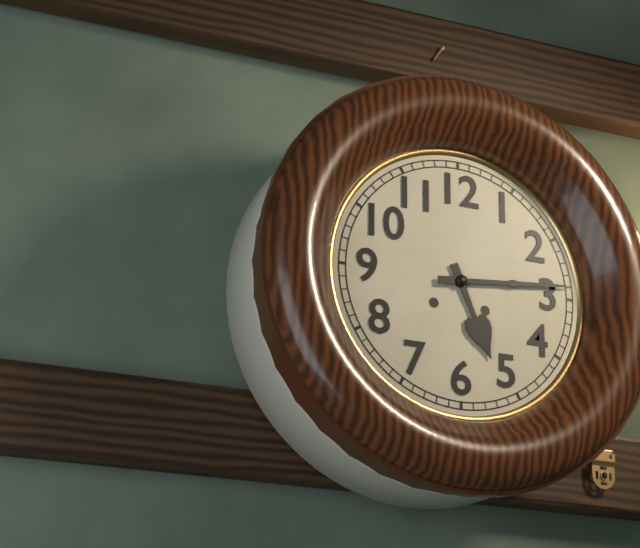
5:14
